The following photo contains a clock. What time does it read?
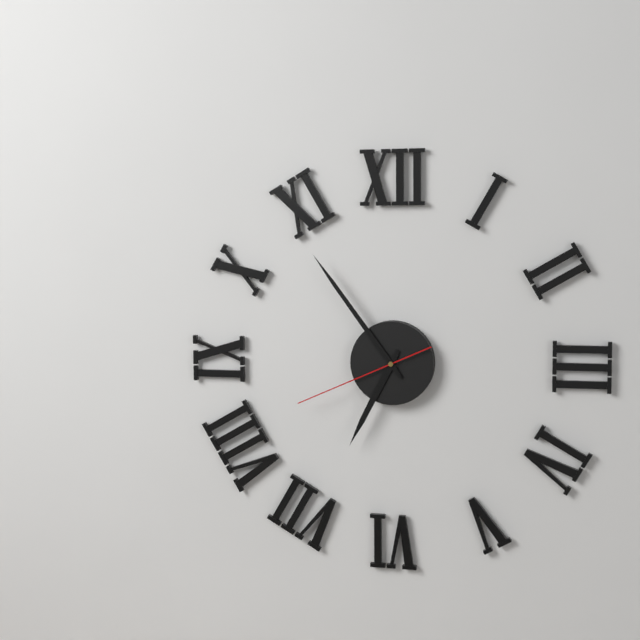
6:54:41
